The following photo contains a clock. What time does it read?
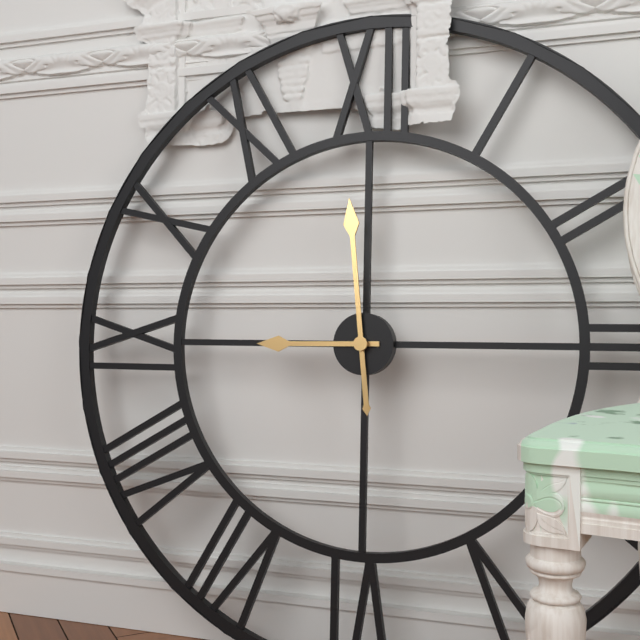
8:59
